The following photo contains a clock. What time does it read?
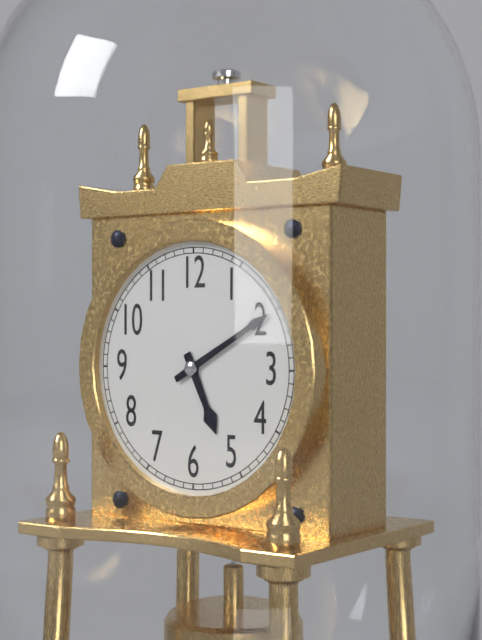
5:10
